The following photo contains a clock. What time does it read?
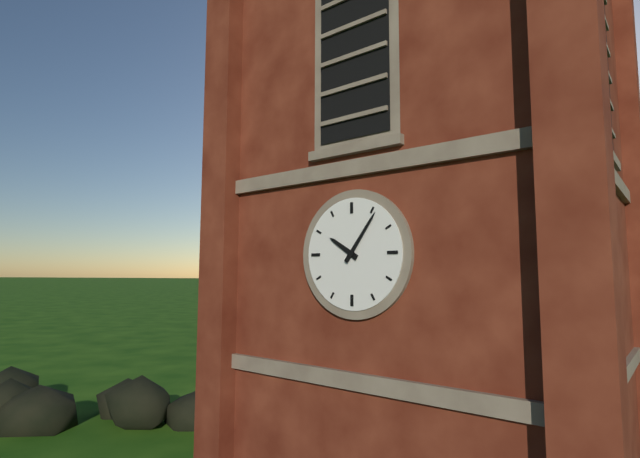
10:06
